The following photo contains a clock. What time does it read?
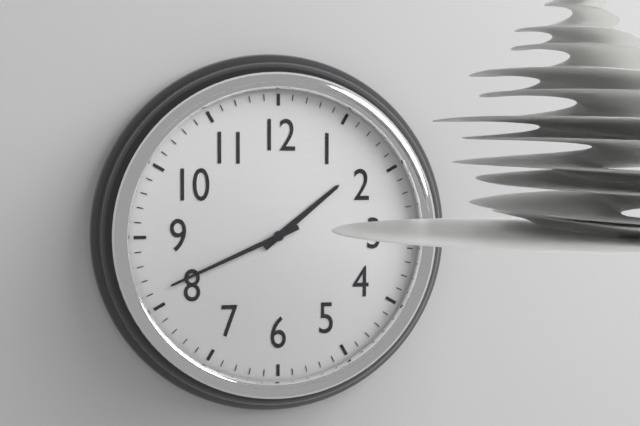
1:41
